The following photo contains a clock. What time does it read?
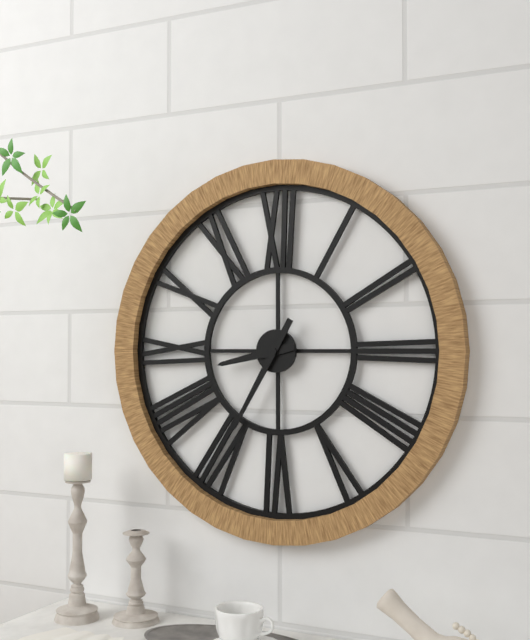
8:35
